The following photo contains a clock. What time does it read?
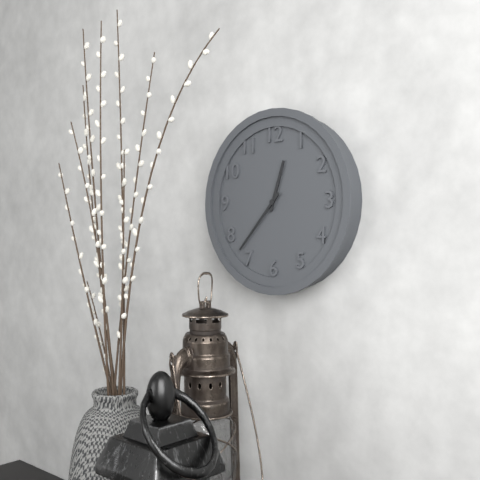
12:37
